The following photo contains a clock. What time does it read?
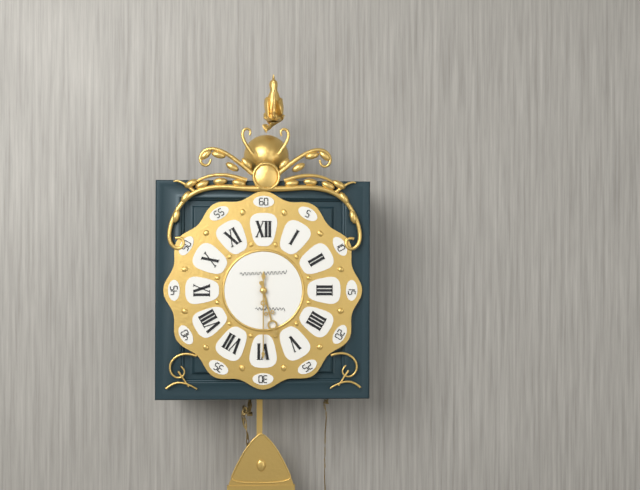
5:30
